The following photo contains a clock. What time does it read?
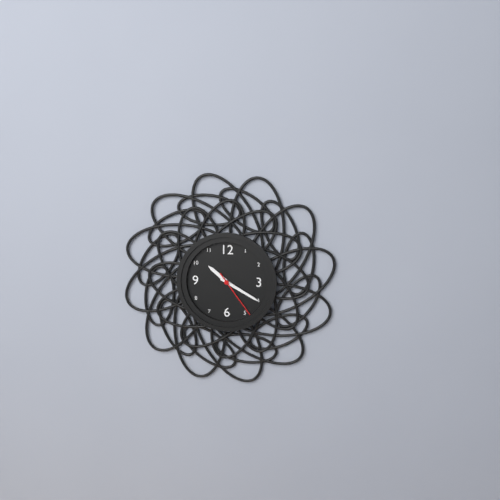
10:20:24
